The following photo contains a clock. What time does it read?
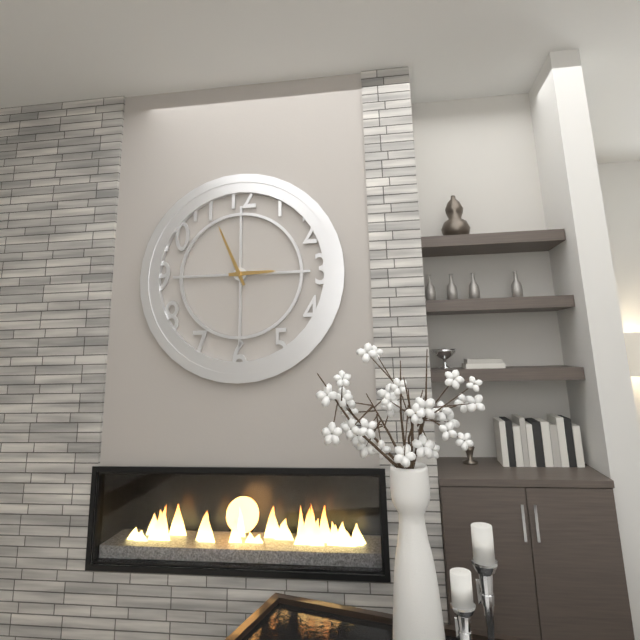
2:56
